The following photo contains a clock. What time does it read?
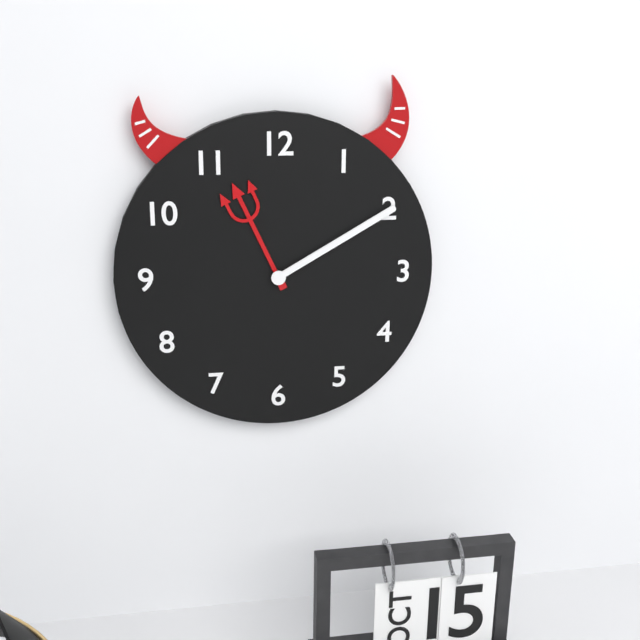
11:10
